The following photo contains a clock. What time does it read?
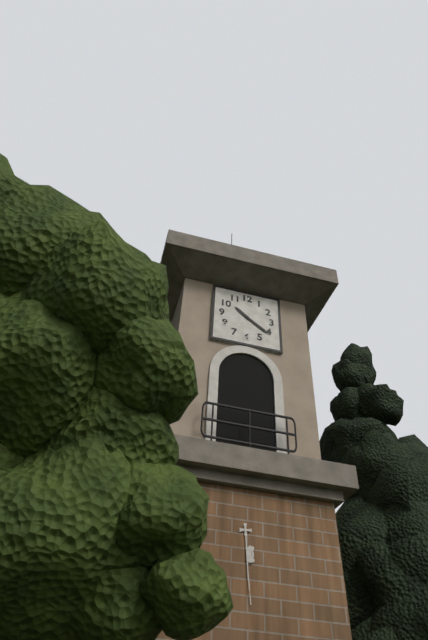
10:21
